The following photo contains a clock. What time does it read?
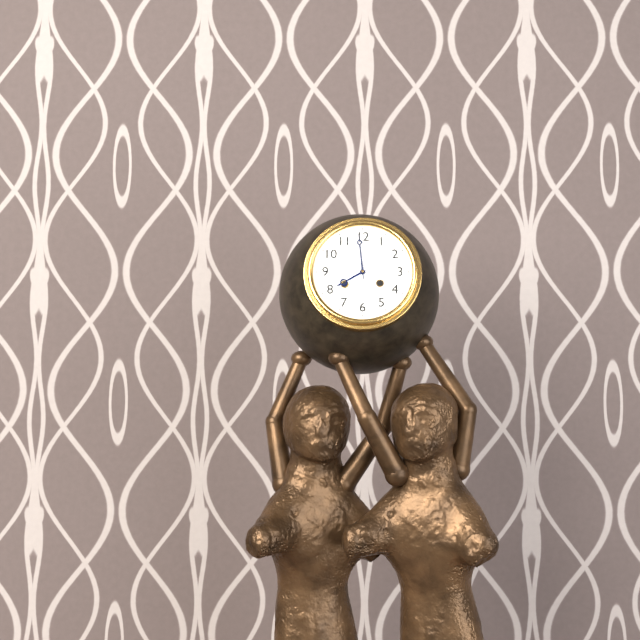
7:59
